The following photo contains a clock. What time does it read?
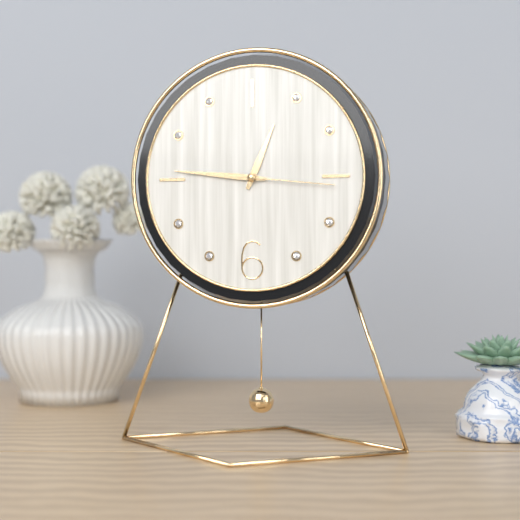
12:46:16
